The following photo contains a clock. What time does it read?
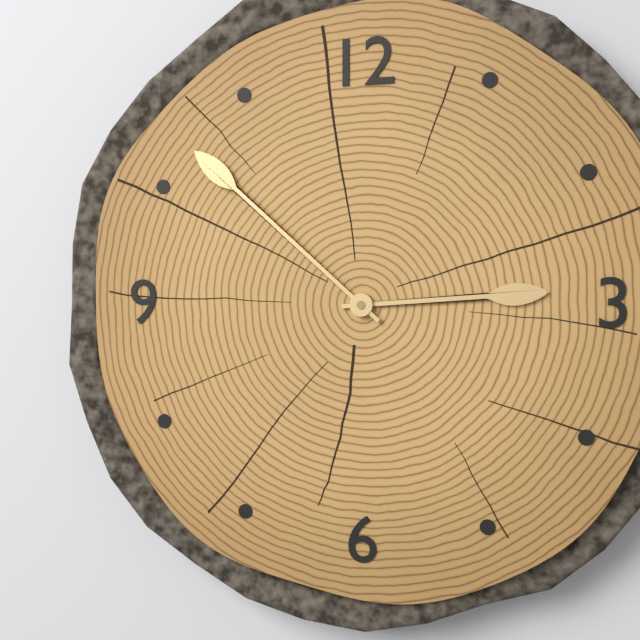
2:52
